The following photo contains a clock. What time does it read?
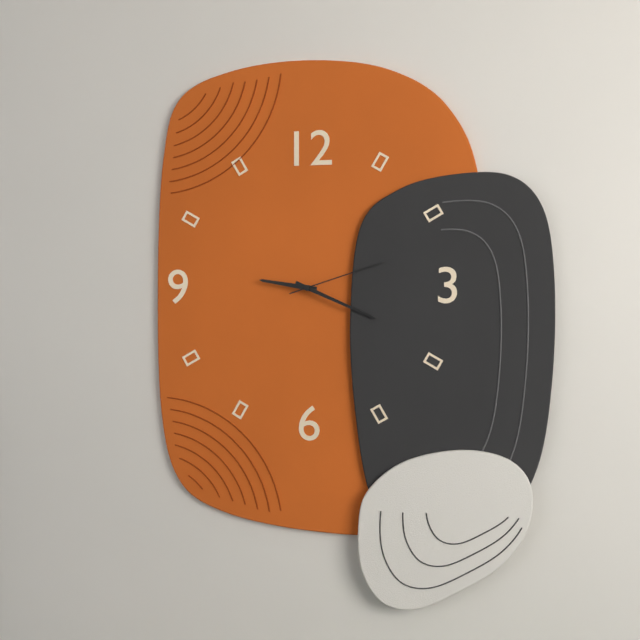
9:19:12
